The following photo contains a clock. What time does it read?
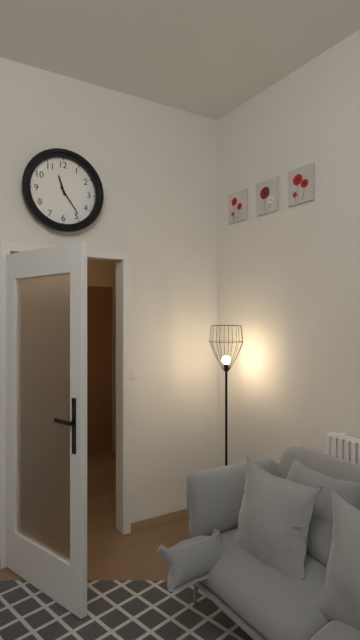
11:24
